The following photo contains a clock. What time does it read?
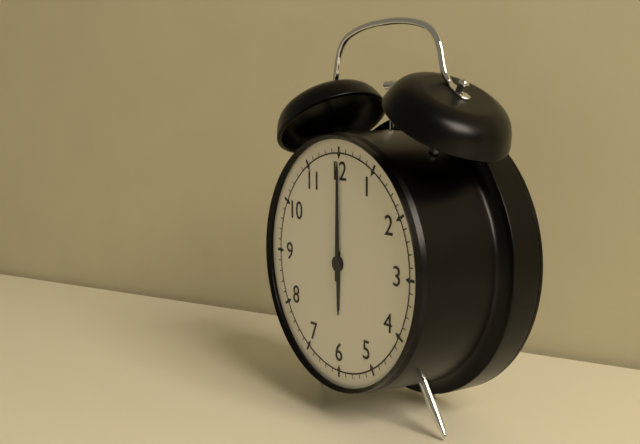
6:00
